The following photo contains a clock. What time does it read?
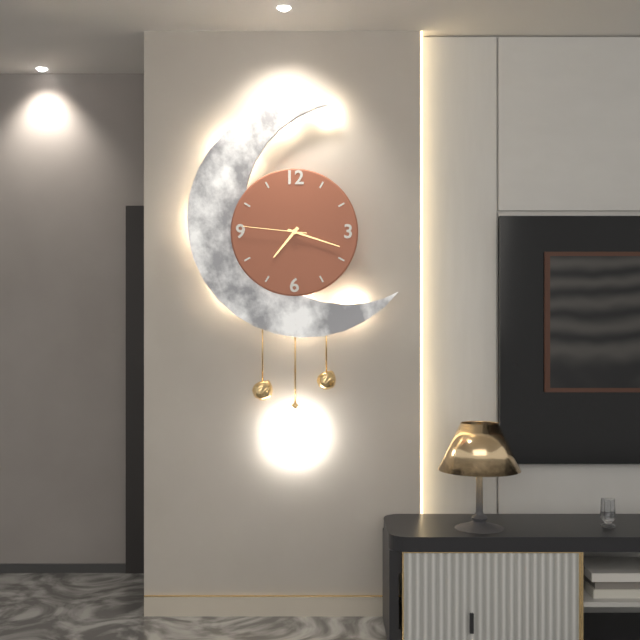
7:18:46
